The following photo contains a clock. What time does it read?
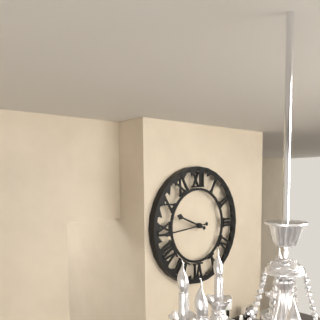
9:44
